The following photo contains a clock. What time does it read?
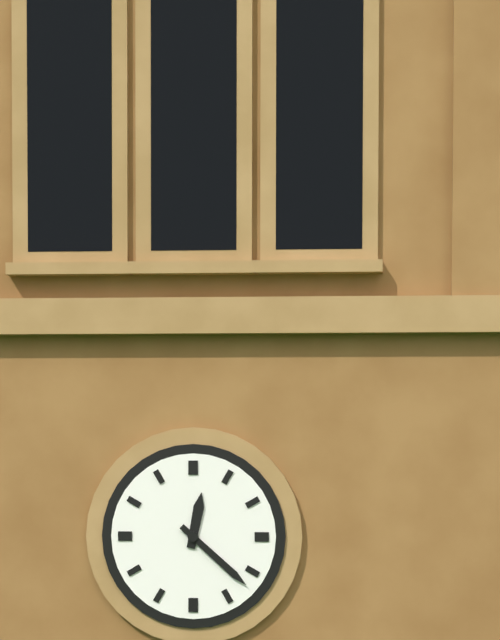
12:22
